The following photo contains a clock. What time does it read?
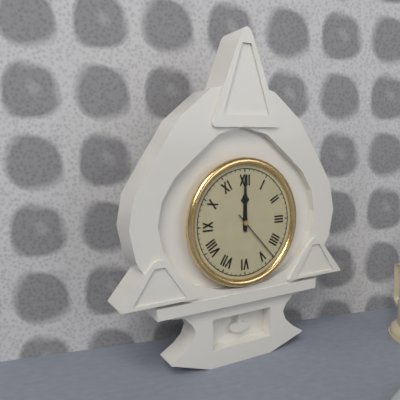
12:00:23
